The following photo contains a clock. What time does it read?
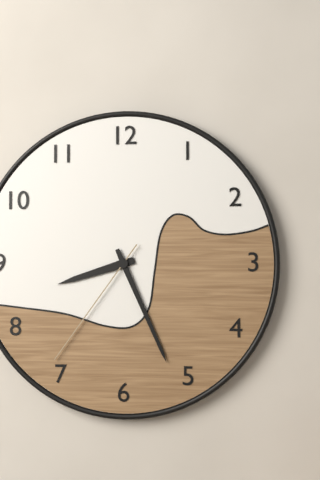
8:26:36
